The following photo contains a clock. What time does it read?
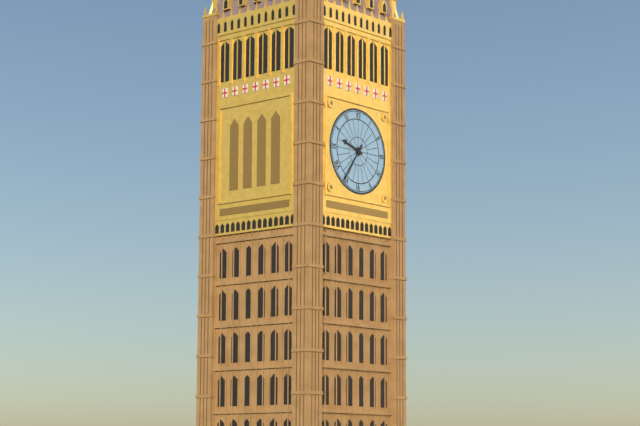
9:36
